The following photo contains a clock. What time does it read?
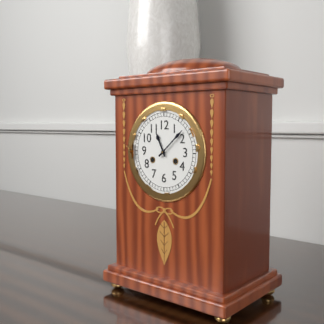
11:08
